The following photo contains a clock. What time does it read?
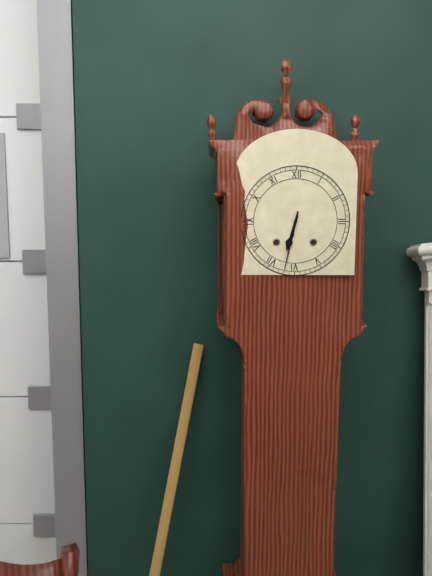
6:32
